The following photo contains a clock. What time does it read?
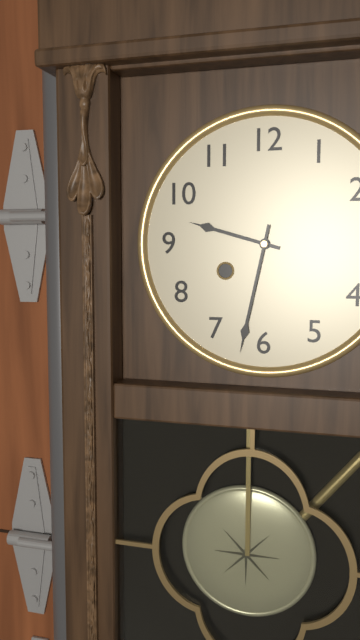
9:32
